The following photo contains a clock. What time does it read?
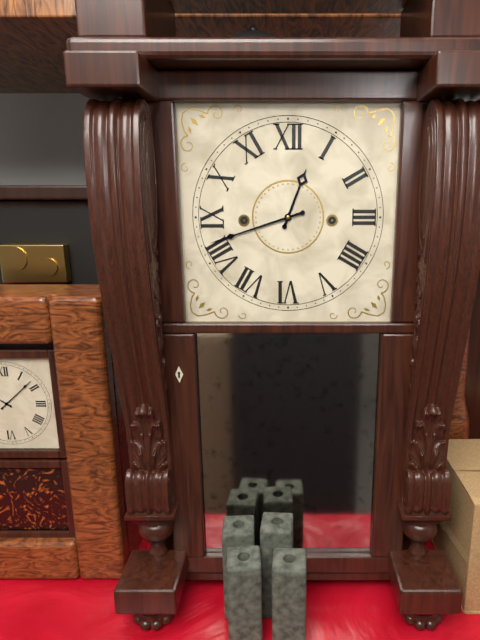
12:42
